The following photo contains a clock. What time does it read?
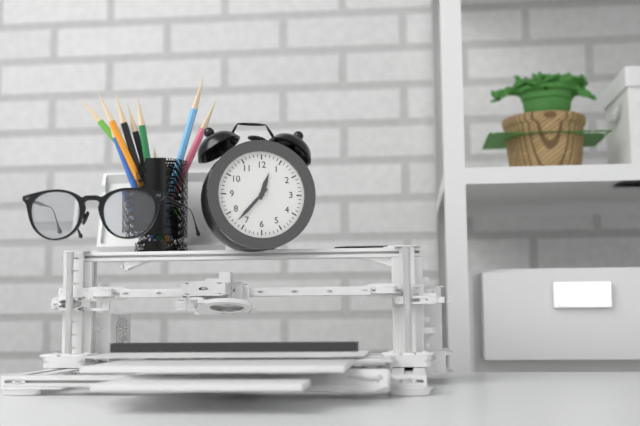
12:37
